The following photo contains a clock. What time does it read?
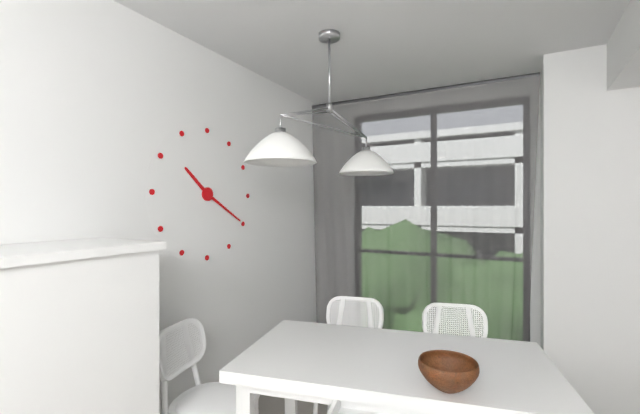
10:20
